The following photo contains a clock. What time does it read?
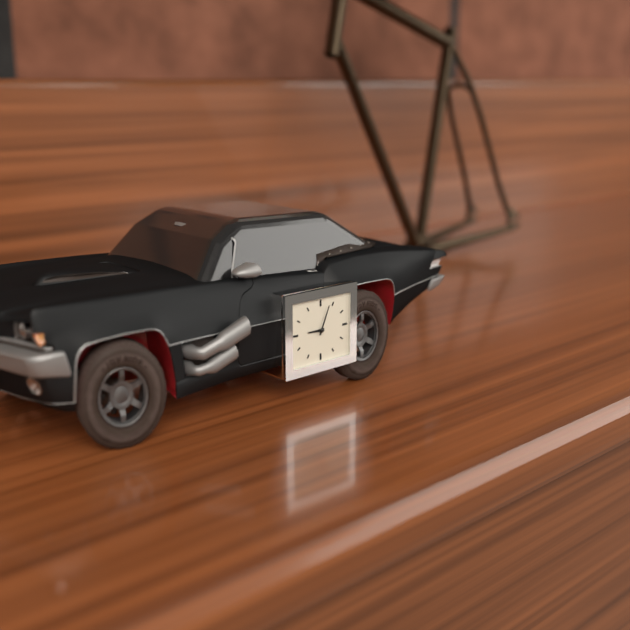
9:04
